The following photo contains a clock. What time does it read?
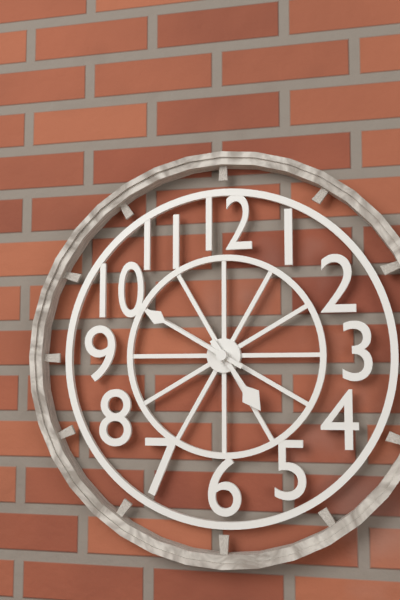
4:50
